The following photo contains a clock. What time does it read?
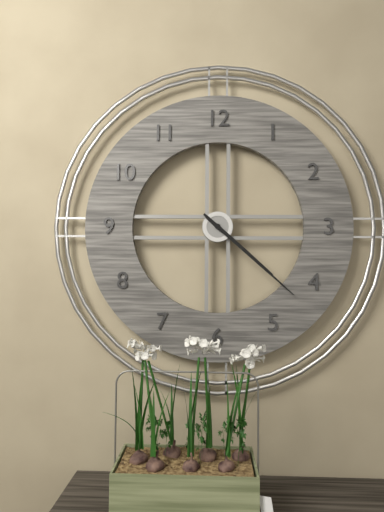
4:22
